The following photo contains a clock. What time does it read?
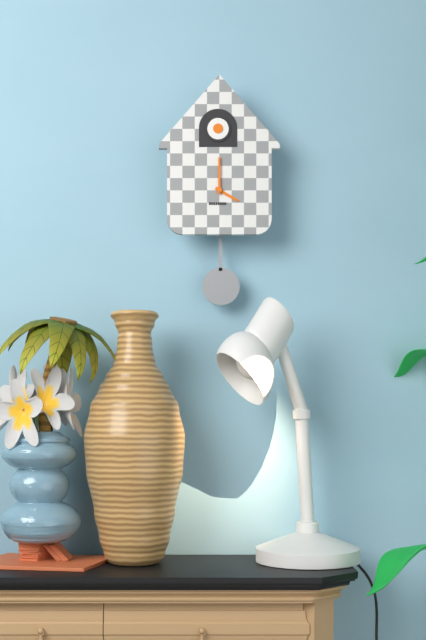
4:00
